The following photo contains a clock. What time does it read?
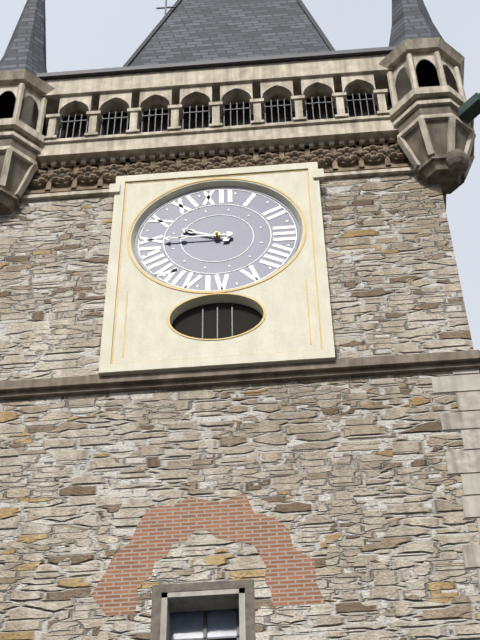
9:45
